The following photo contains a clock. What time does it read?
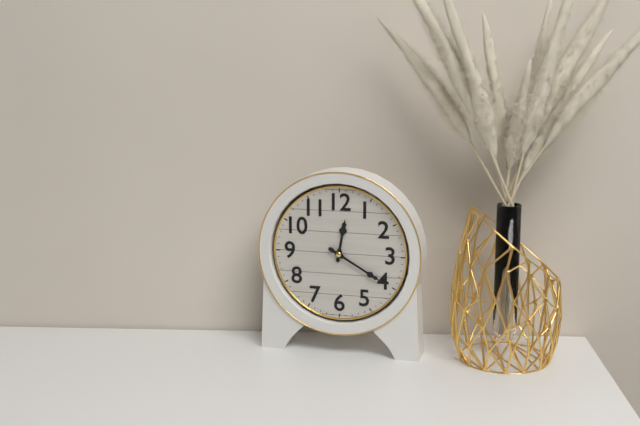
12:20
